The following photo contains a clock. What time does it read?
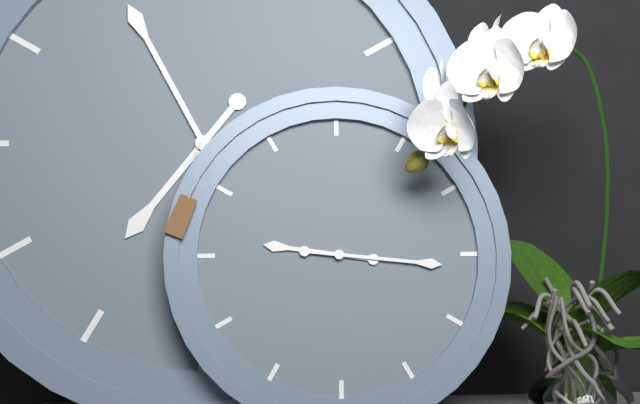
9:16
